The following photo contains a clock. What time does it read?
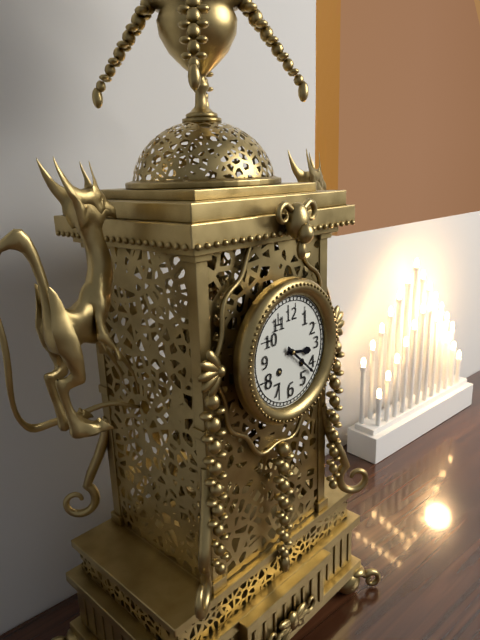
3:22
